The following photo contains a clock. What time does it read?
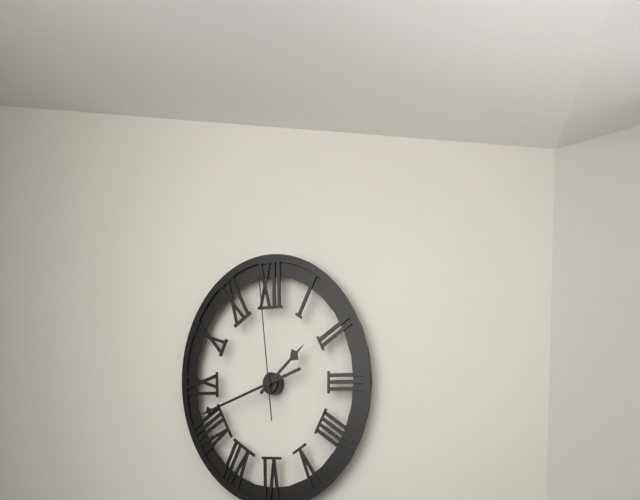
1:42:59
